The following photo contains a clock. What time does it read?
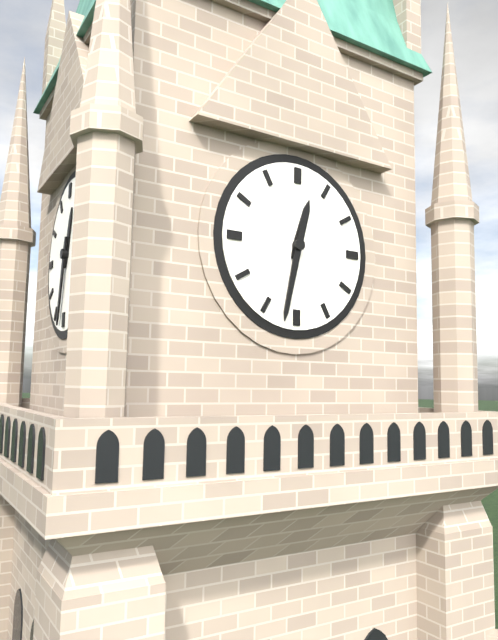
12:32
